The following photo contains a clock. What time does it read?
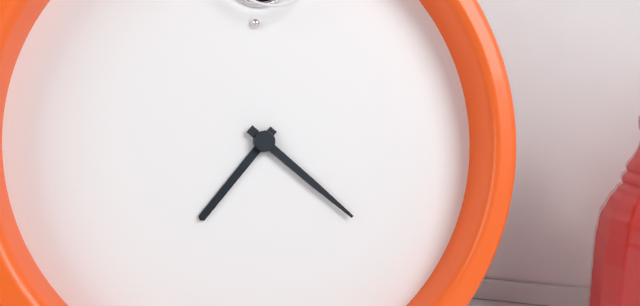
7:22
